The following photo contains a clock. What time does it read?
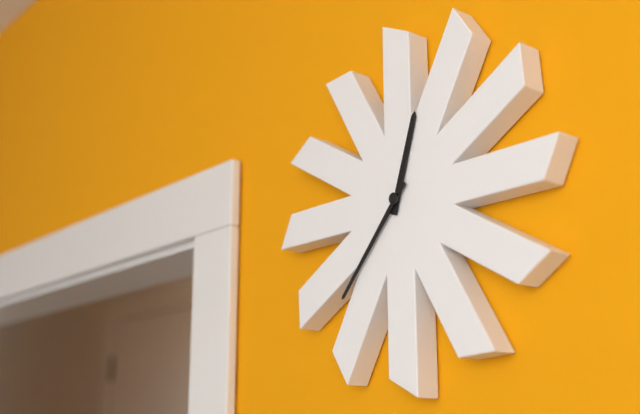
12:37
